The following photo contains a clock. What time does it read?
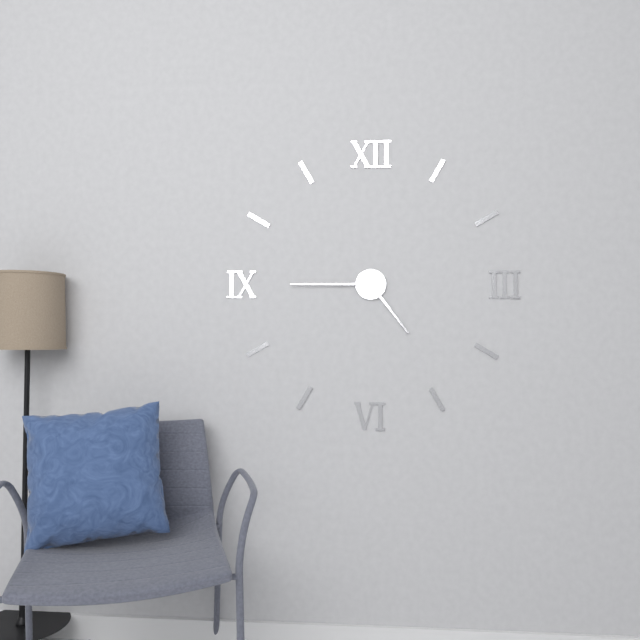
4:45
